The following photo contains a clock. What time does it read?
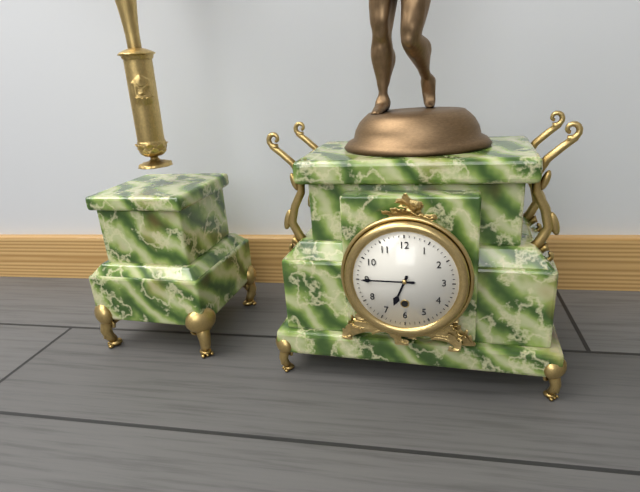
6:45
